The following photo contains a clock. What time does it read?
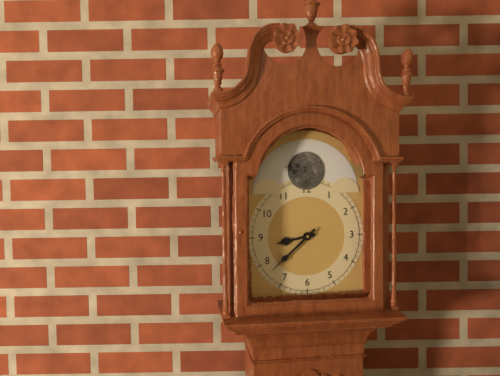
8:38
